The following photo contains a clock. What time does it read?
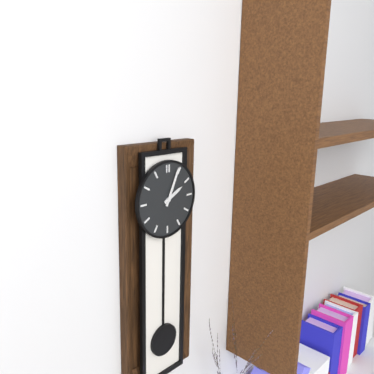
2:04
